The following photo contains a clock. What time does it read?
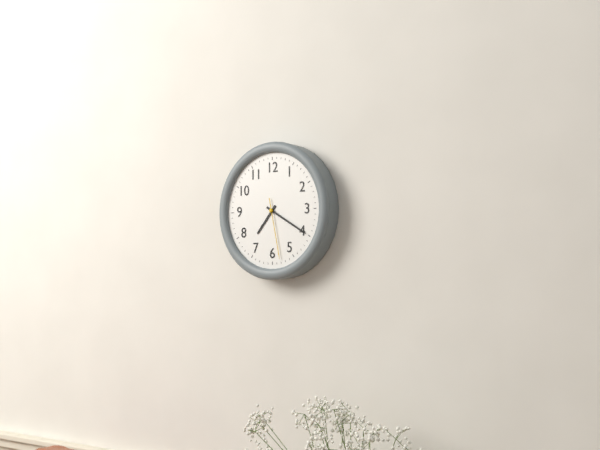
7:20:28
